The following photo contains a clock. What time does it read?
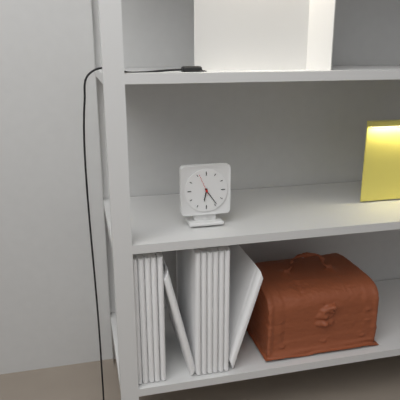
6:24
